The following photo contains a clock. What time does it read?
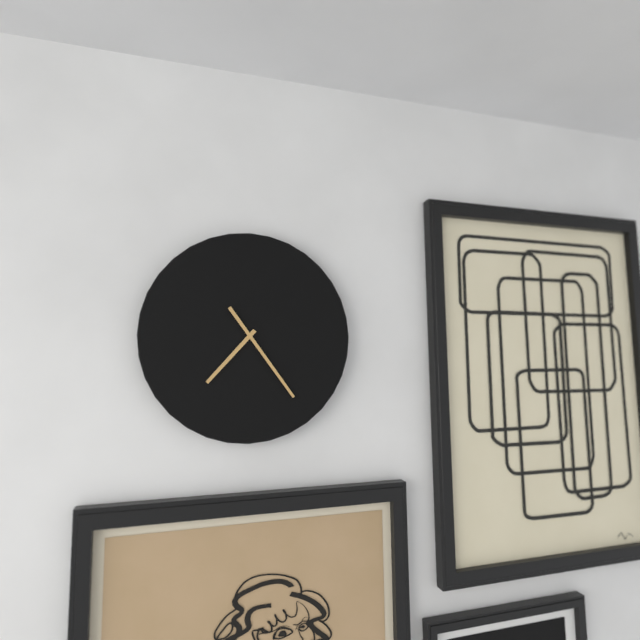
7:24
